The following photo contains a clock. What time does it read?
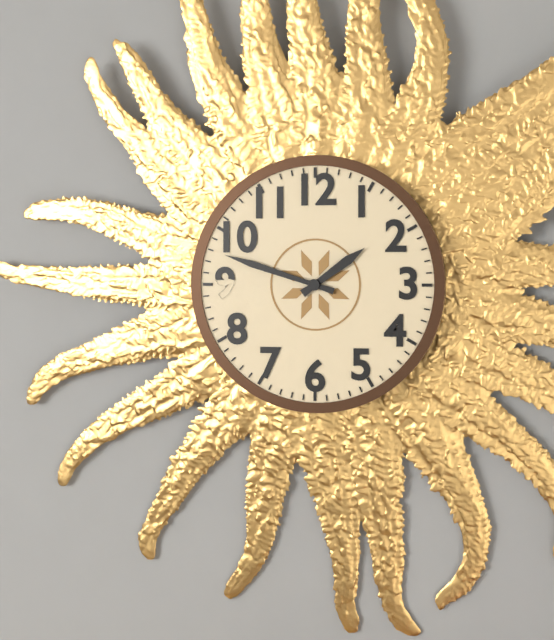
1:48
